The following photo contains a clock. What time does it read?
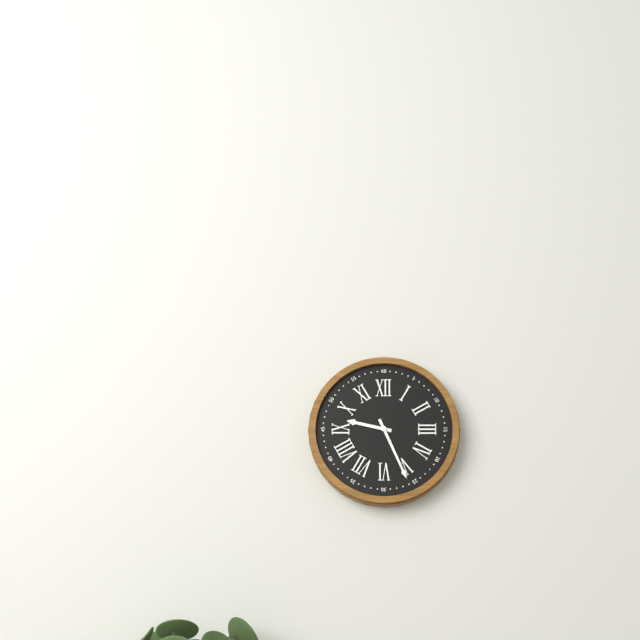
9:26
